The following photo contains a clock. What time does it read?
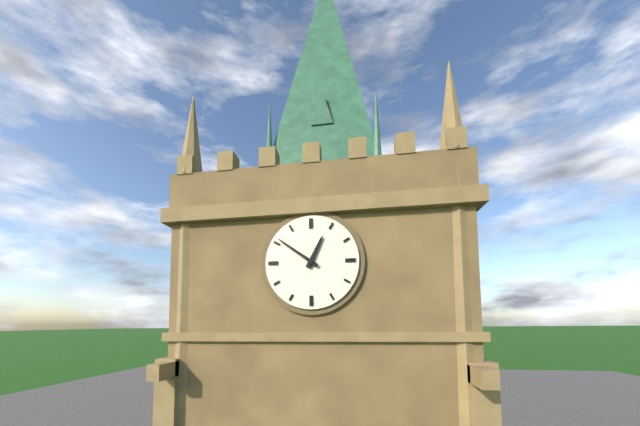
12:51
